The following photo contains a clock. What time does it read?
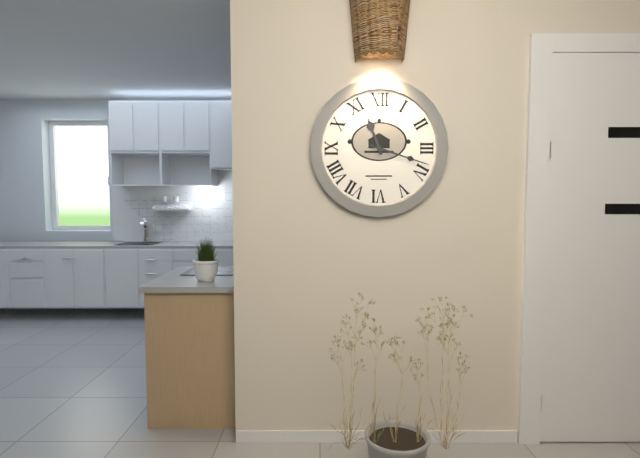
11:18
